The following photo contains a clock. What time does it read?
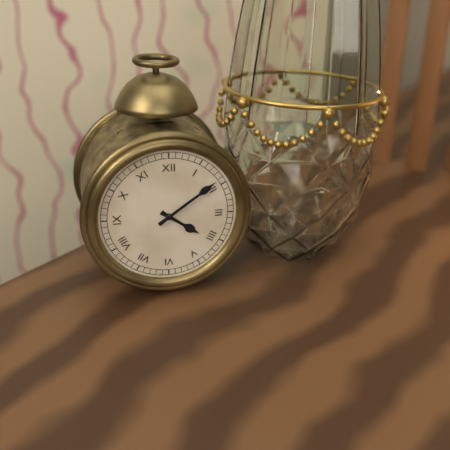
4:09
